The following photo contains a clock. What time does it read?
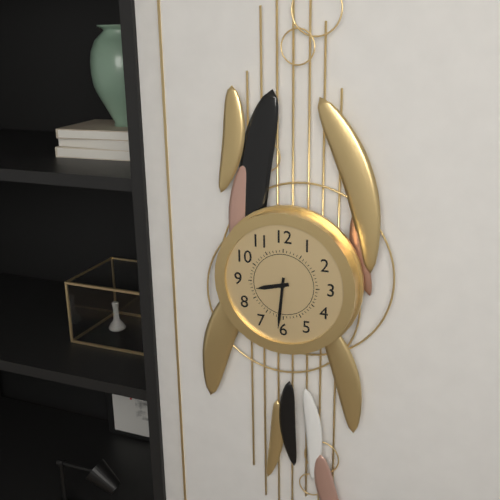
8:31
